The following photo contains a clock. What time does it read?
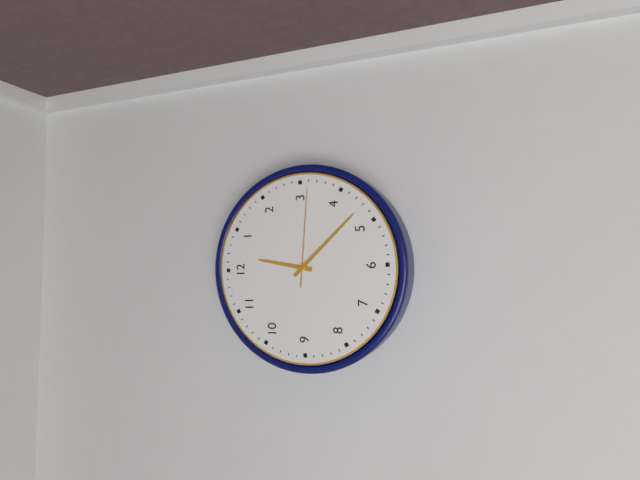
12:23:16
